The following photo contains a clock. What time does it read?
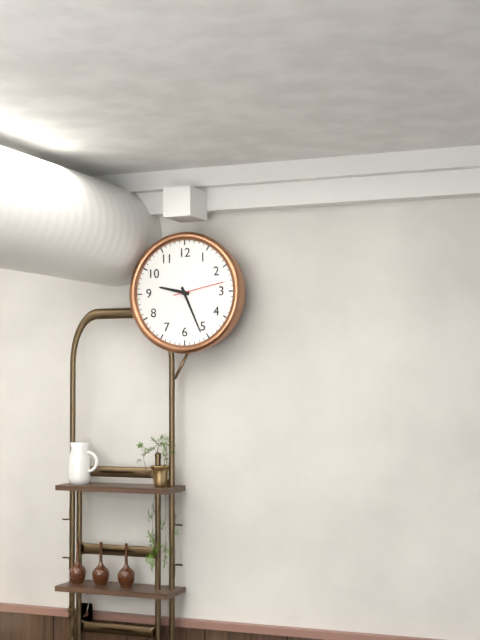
9:26:13
